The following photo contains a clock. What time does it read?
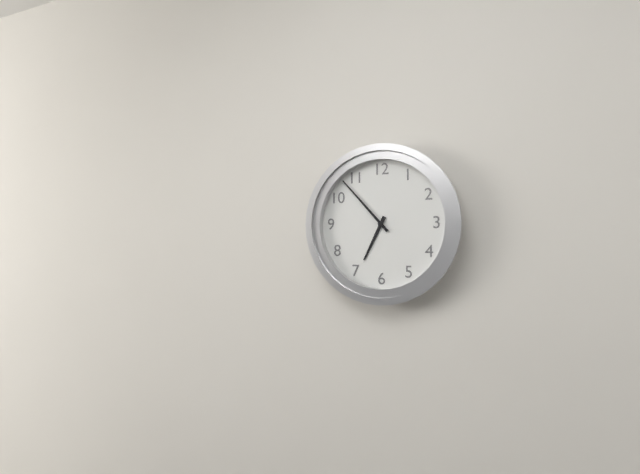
6:53
